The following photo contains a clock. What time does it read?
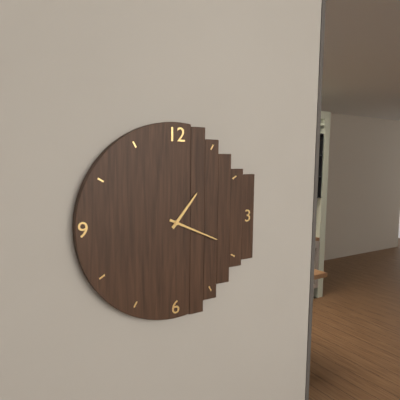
1:19
